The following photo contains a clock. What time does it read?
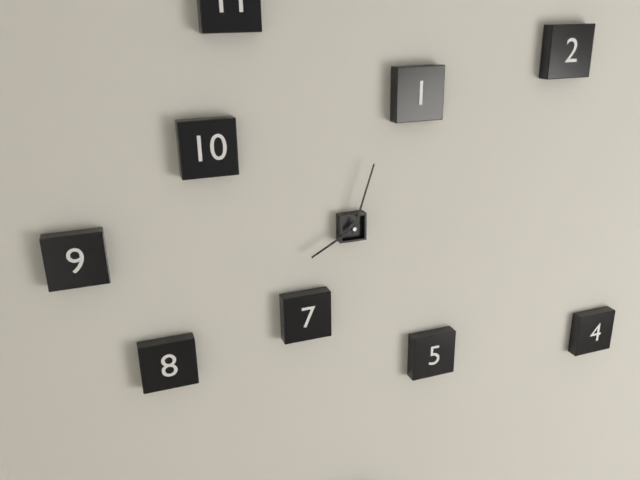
8:03
